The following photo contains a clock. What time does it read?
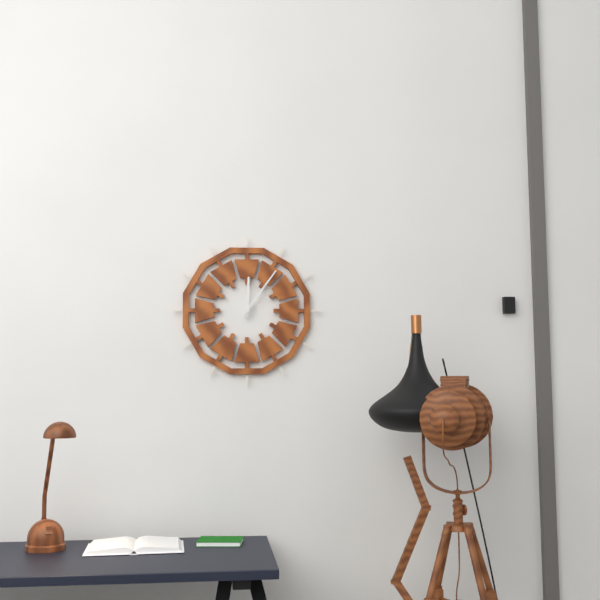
12:06
